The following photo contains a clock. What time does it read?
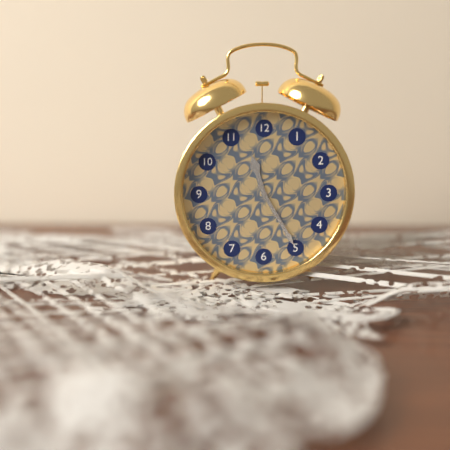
11:25
